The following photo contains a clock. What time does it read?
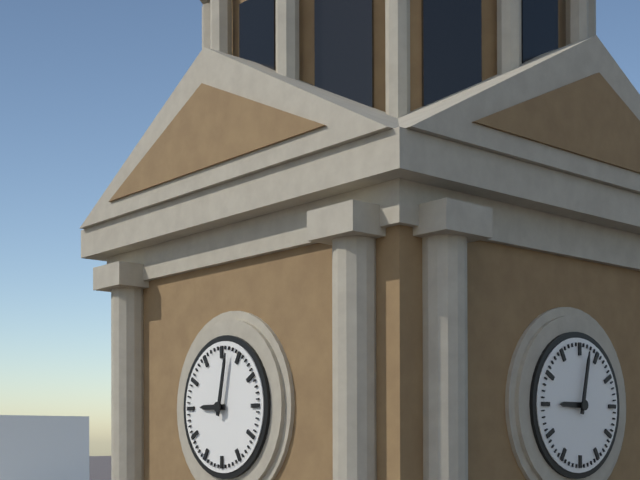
9:02
